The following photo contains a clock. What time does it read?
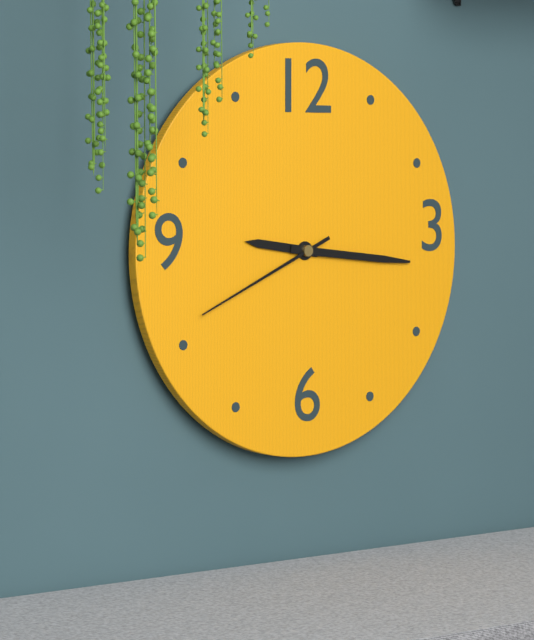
9:16:41
